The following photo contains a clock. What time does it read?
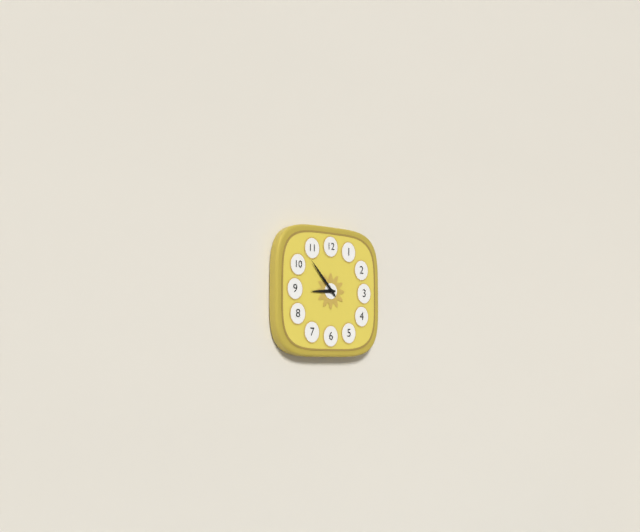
8:53
